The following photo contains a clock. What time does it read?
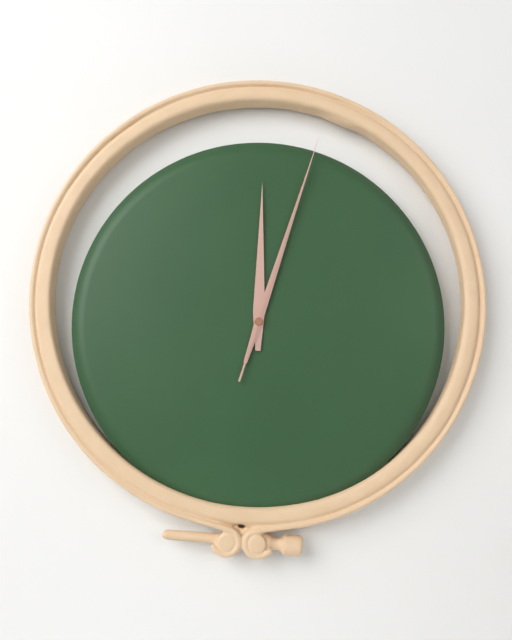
12:03:03
